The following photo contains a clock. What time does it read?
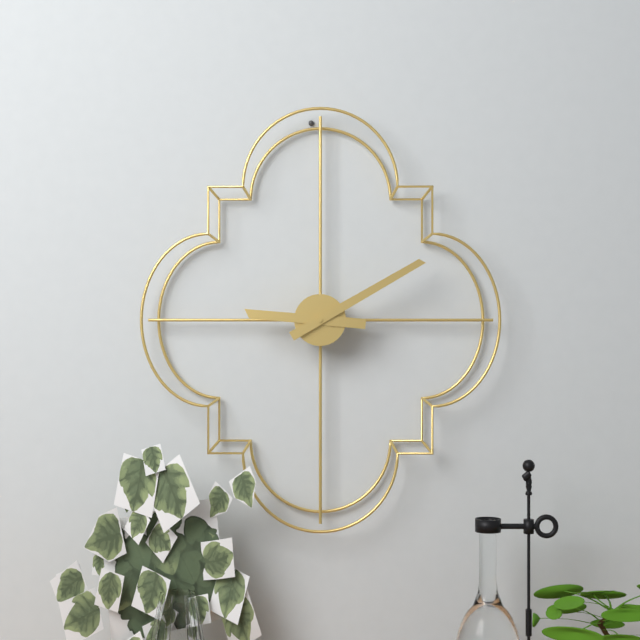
9:10
